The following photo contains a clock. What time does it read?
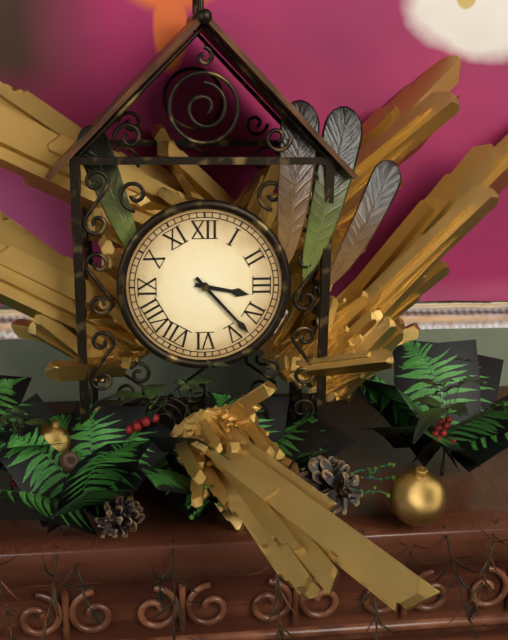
3:23
